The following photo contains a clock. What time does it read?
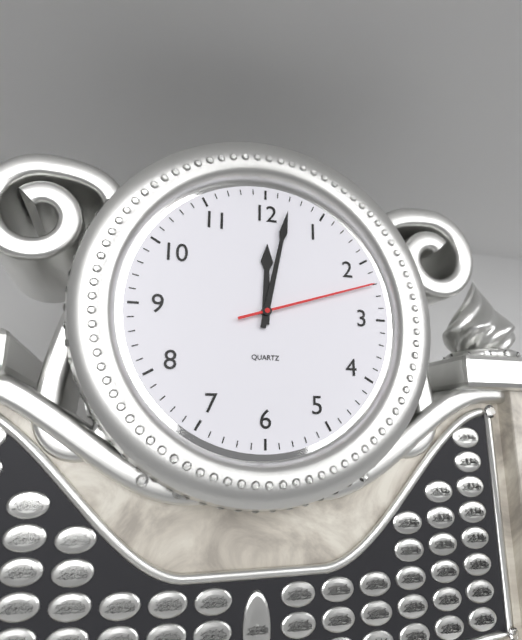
12:02:12
